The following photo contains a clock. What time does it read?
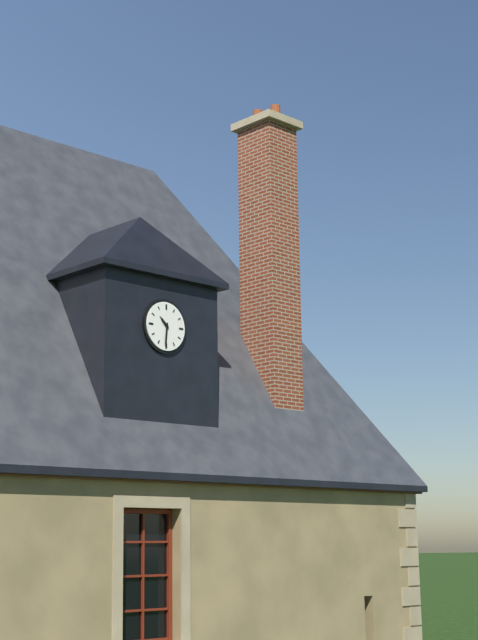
10:31
